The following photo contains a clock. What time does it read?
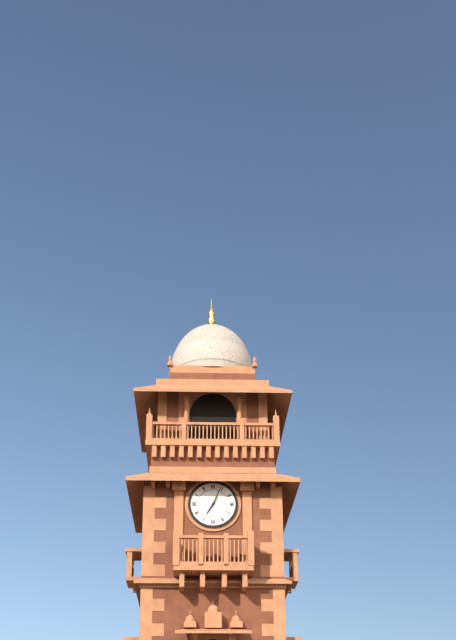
7:04
